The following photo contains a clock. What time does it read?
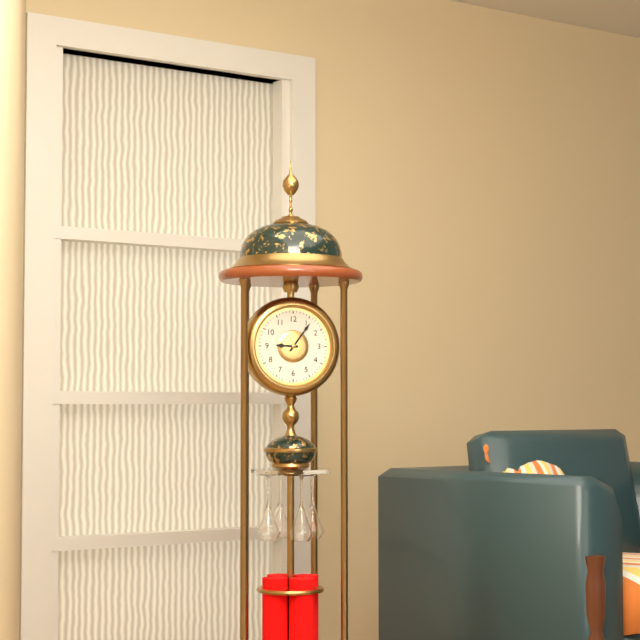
9:06
